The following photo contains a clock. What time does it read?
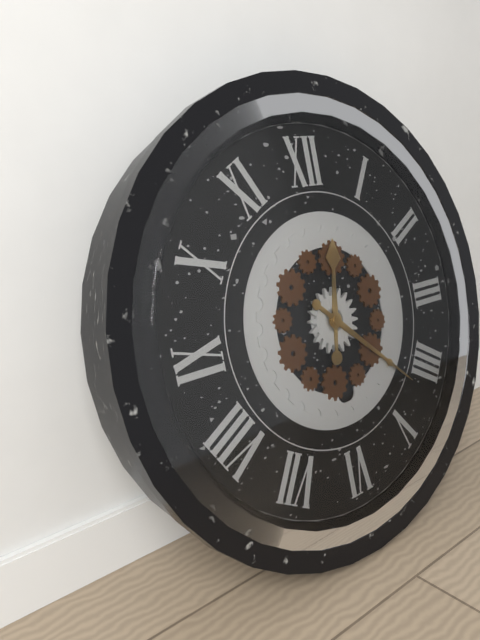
12:22
